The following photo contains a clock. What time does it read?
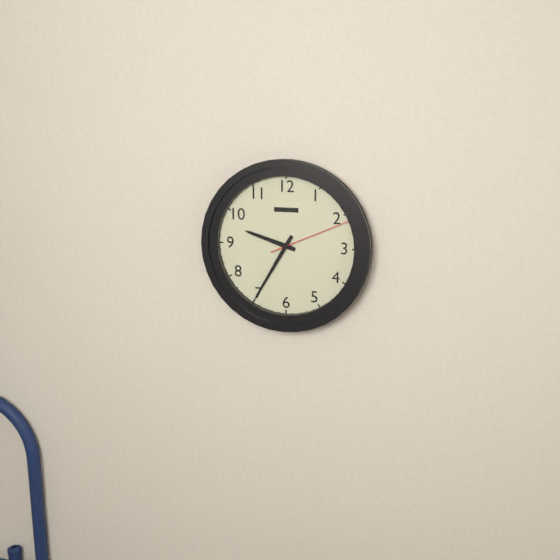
9:35:11
